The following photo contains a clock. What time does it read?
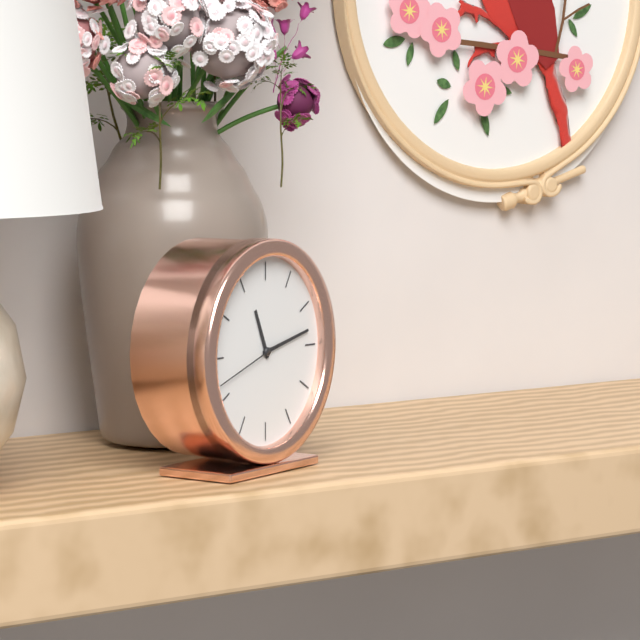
11:13:42
